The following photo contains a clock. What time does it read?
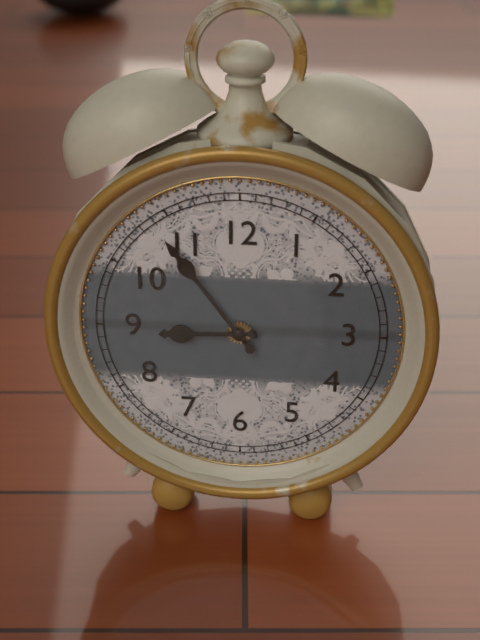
8:54
